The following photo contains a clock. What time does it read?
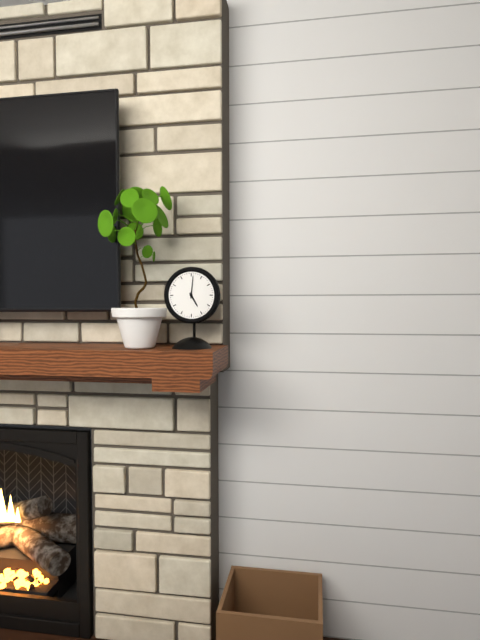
5:01
